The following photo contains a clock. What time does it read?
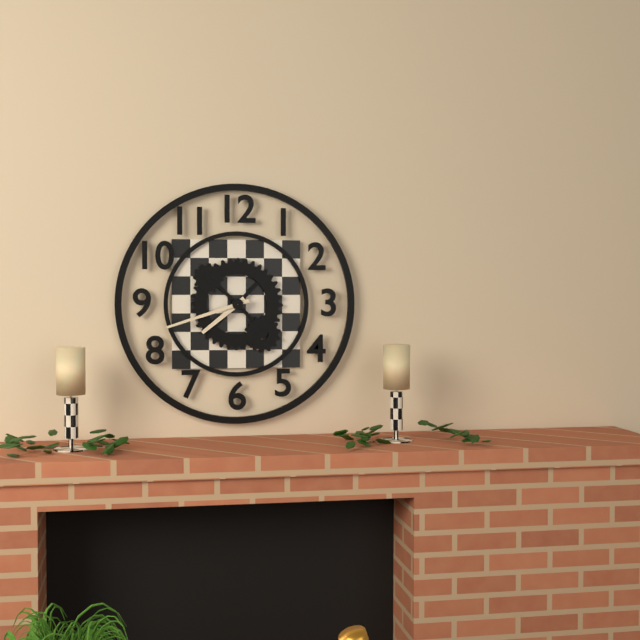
7:42
